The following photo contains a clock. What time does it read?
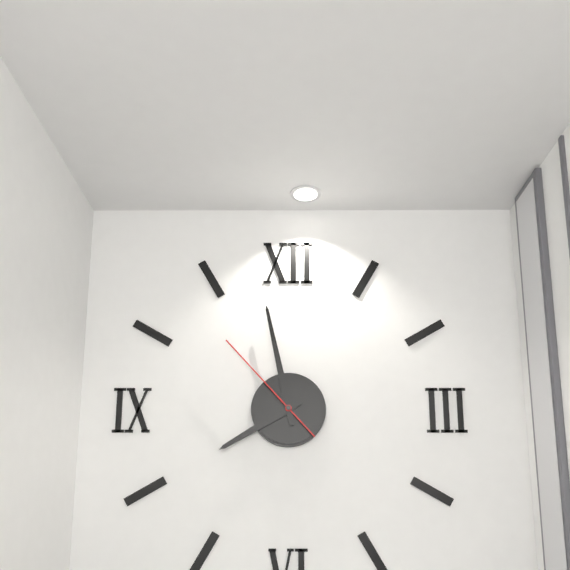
7:58:53
